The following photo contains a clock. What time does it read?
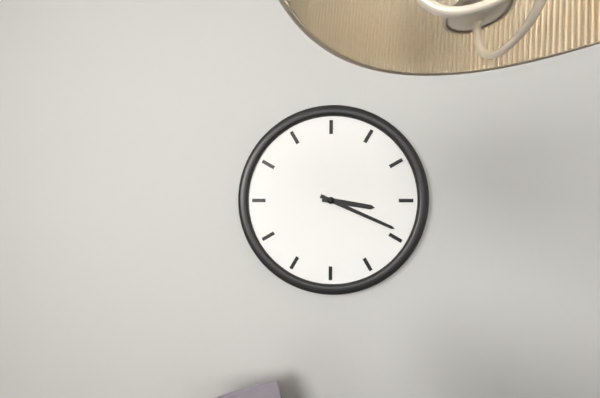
3:19
